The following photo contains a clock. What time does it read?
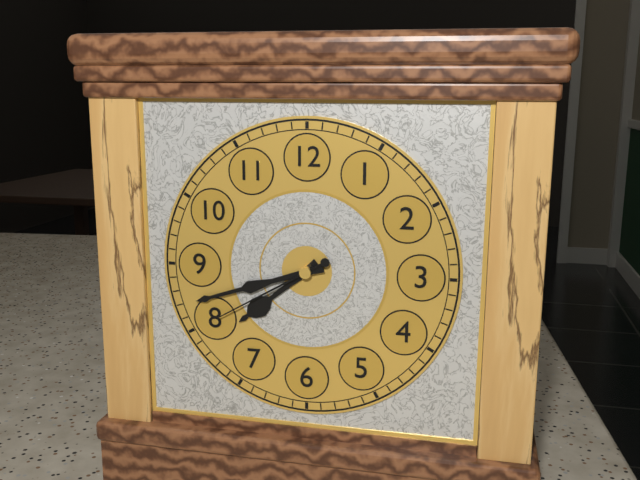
7:42:40
